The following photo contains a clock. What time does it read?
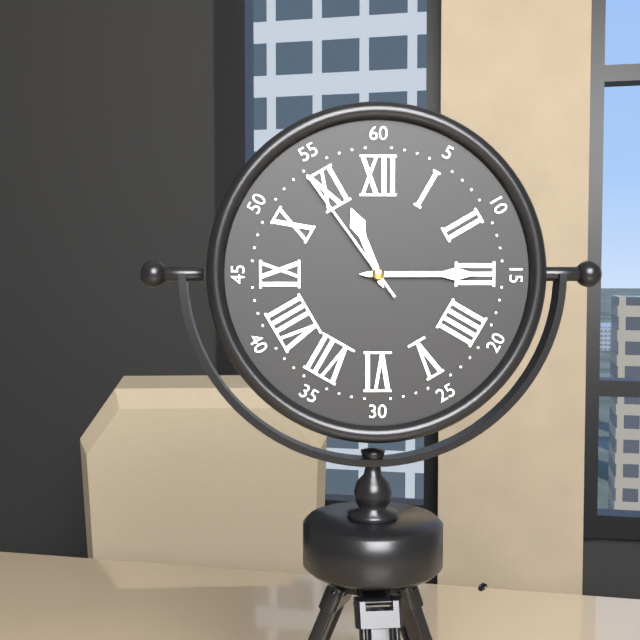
11:15:54
